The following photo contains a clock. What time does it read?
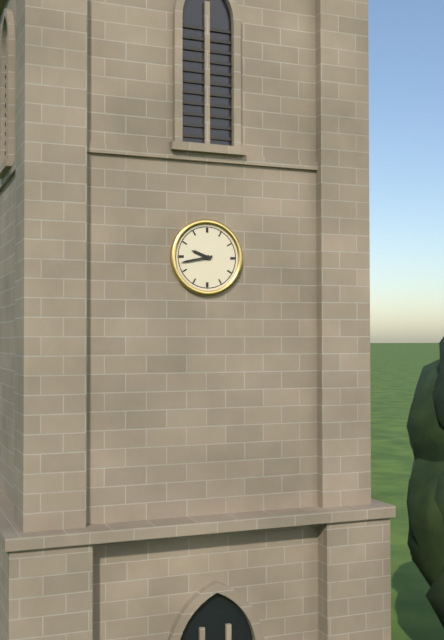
9:43
